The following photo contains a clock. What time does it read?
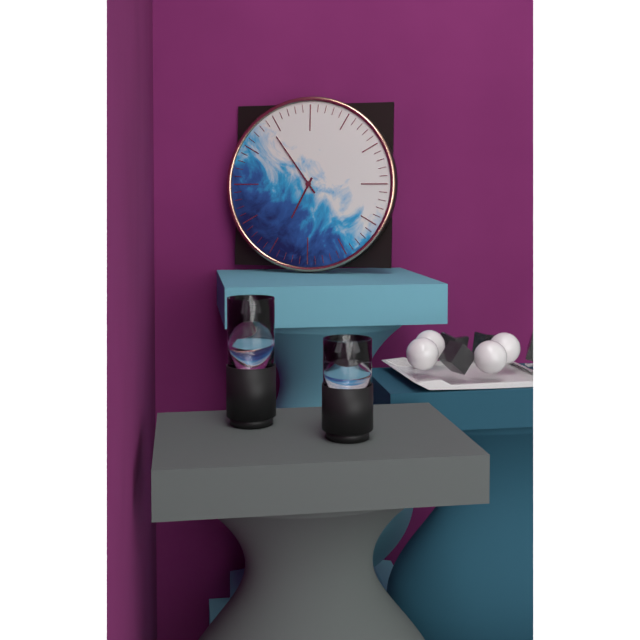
6:54
